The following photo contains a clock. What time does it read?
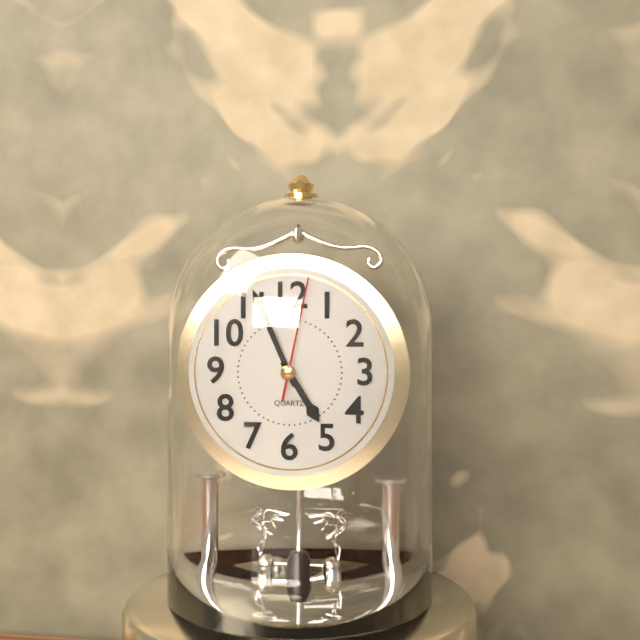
4:56:02
